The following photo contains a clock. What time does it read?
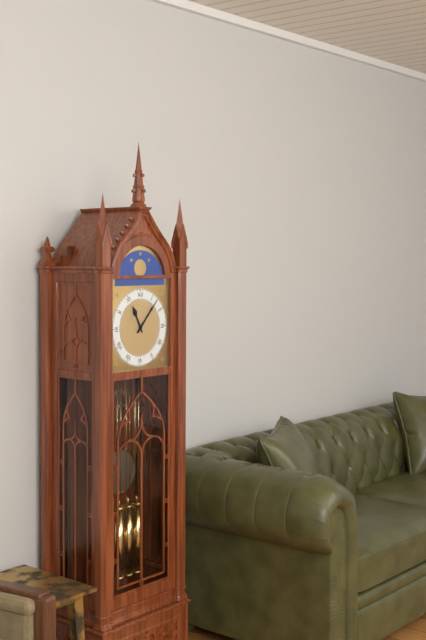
11:07
